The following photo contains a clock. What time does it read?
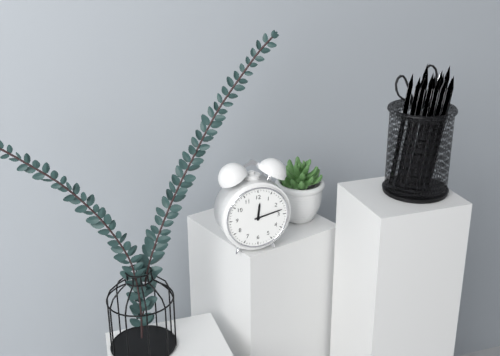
12:13
